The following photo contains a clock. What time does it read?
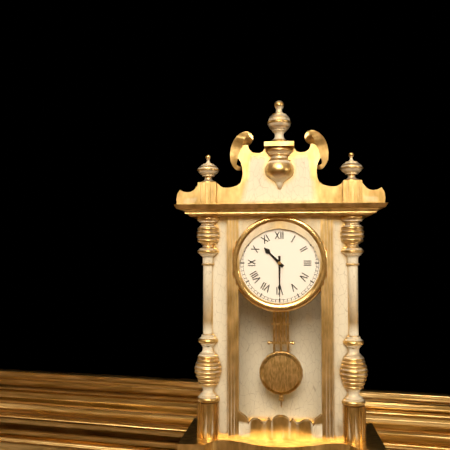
10:30
